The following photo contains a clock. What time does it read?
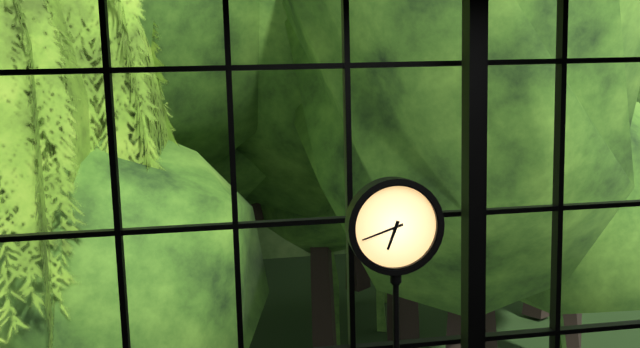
6:42
